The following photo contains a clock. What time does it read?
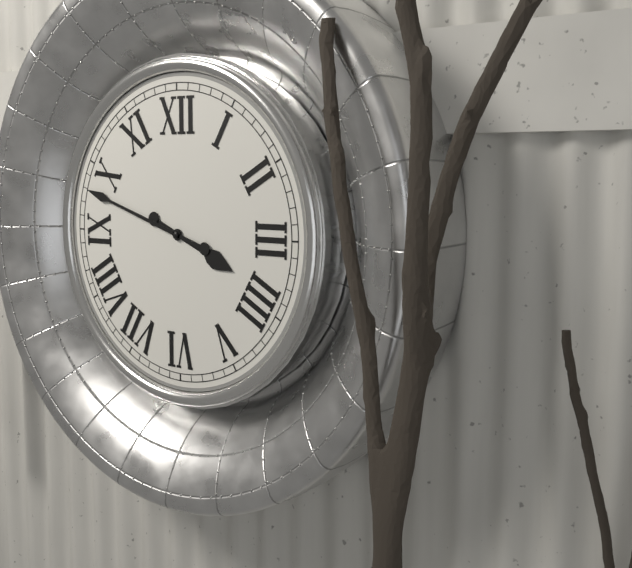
3:48
